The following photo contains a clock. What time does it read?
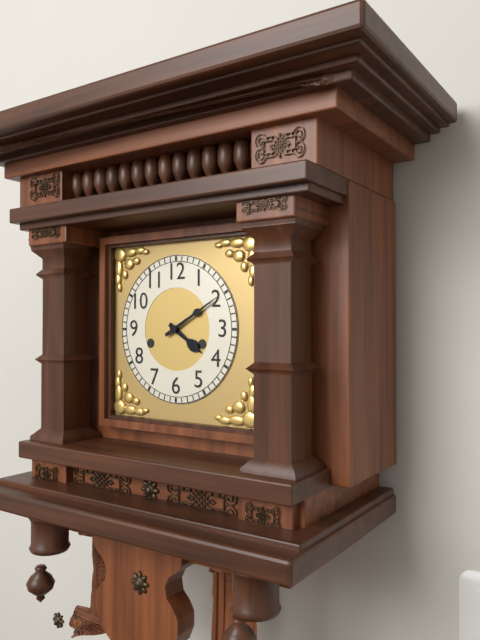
4:10
